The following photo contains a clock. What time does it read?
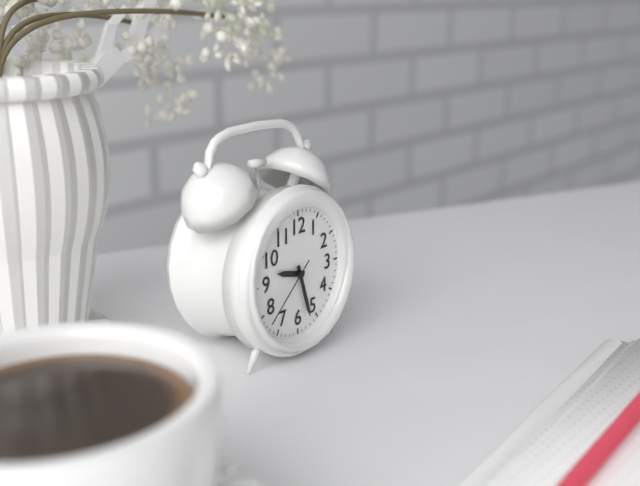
9:27:38
